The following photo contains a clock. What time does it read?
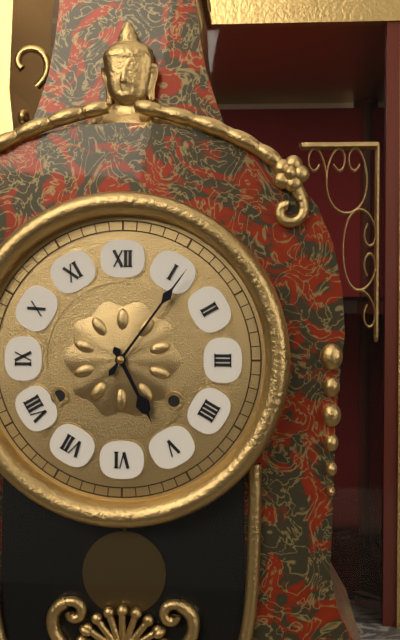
5:06
